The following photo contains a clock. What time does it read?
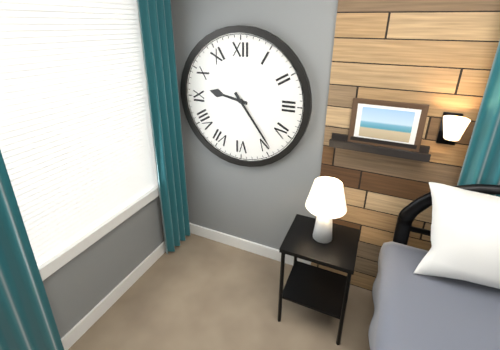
9:24
